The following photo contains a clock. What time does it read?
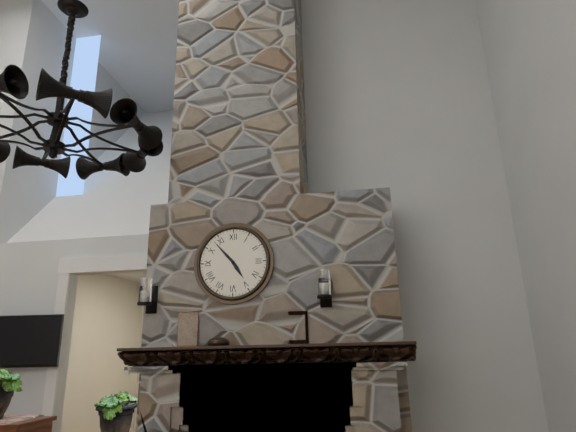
4:53
